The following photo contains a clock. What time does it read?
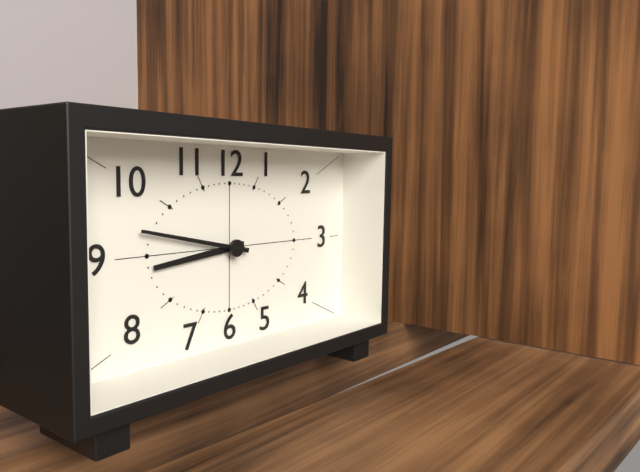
8:47
